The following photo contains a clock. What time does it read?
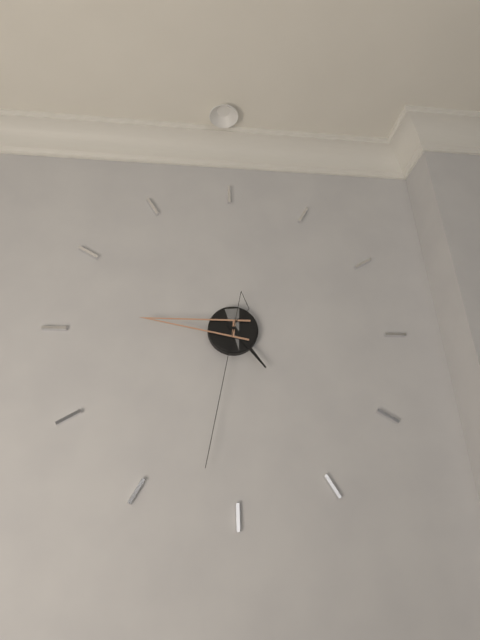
4:46:32
